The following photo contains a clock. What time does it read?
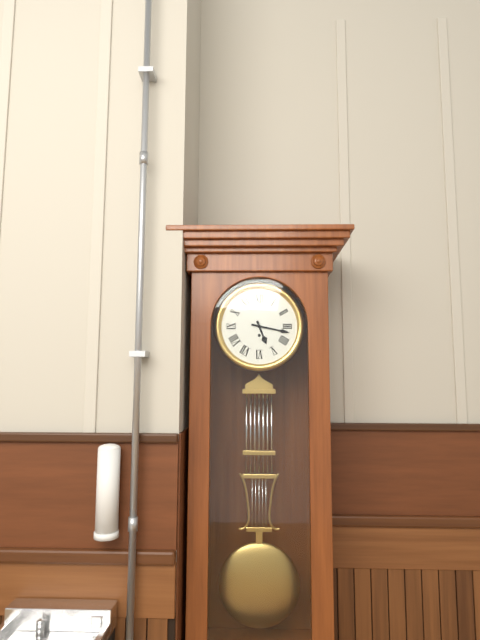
5:17
